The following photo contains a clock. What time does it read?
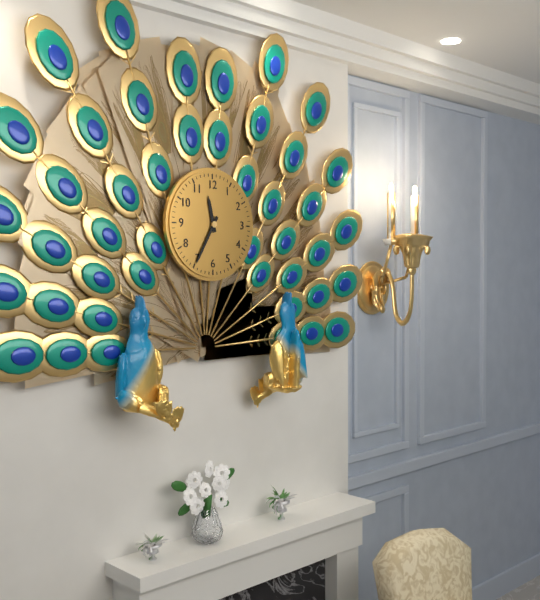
11:35
